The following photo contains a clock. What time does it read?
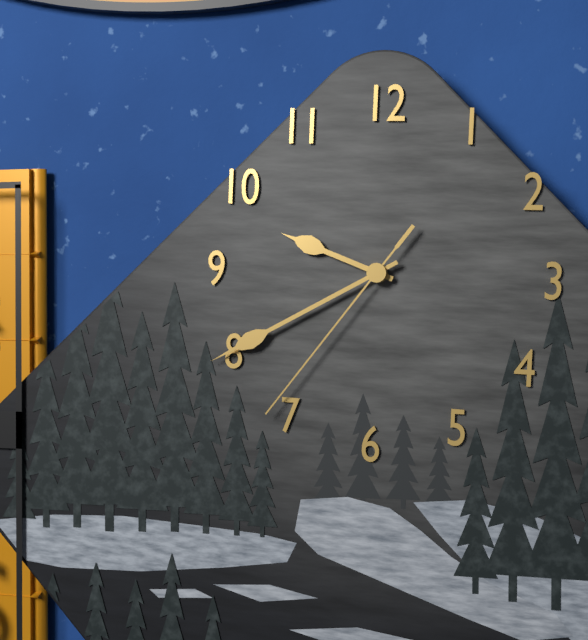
9:40:36
